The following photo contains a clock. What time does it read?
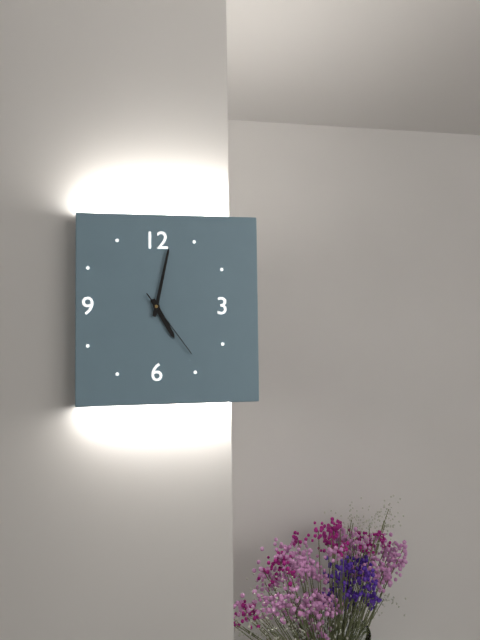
5:02:24
